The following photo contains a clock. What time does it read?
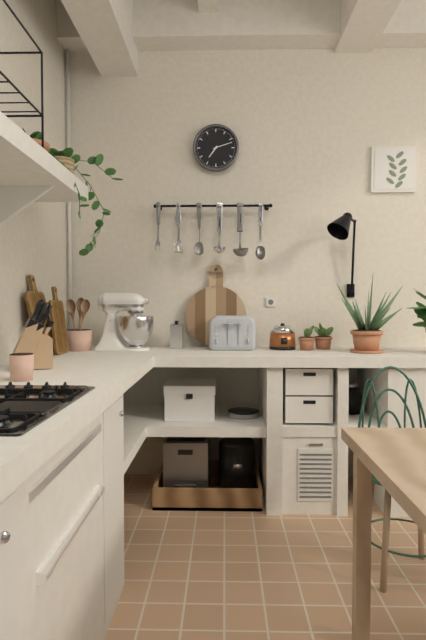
7:12
